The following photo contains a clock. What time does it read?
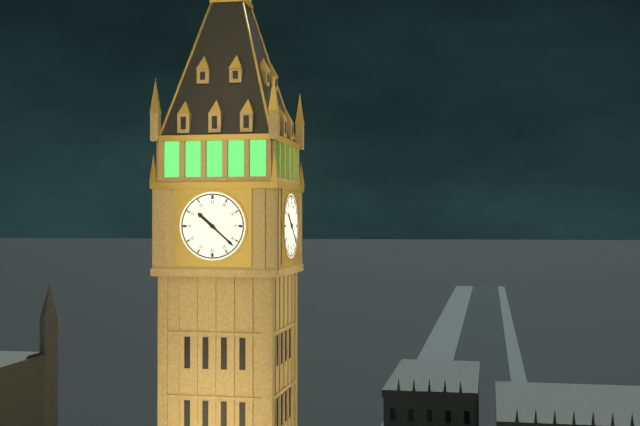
10:22
